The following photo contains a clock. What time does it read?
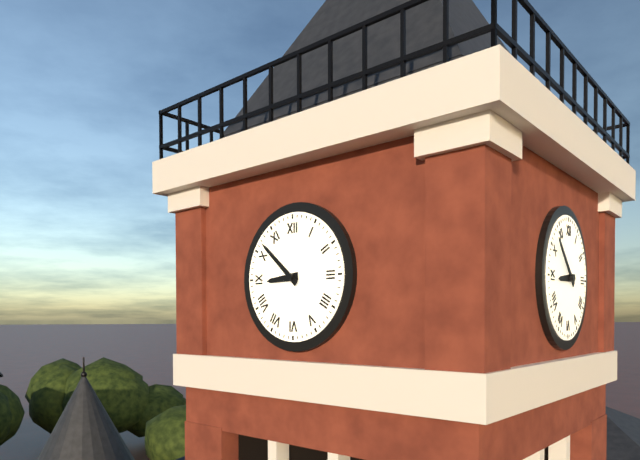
8:52
